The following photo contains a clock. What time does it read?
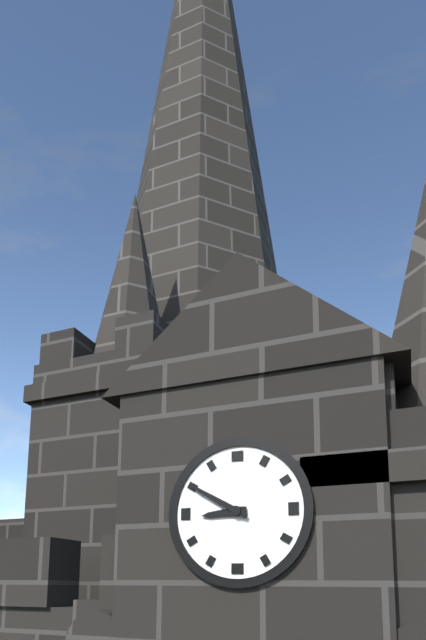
8:50
